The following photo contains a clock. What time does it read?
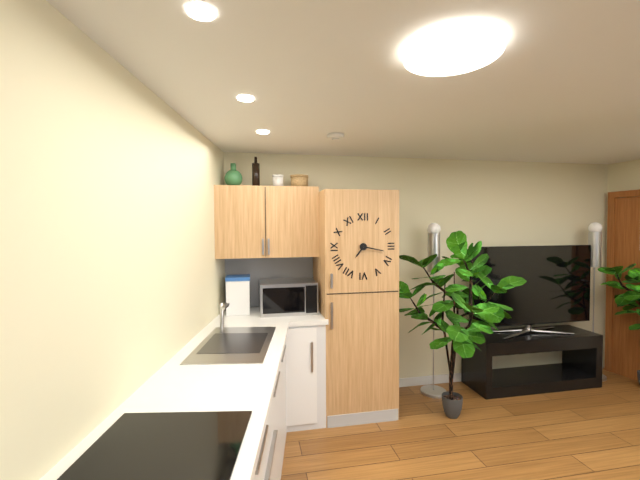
7:17
